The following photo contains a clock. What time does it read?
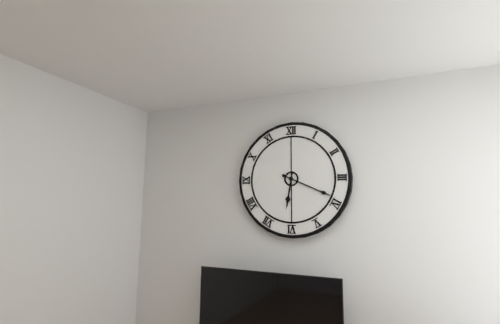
6:19
